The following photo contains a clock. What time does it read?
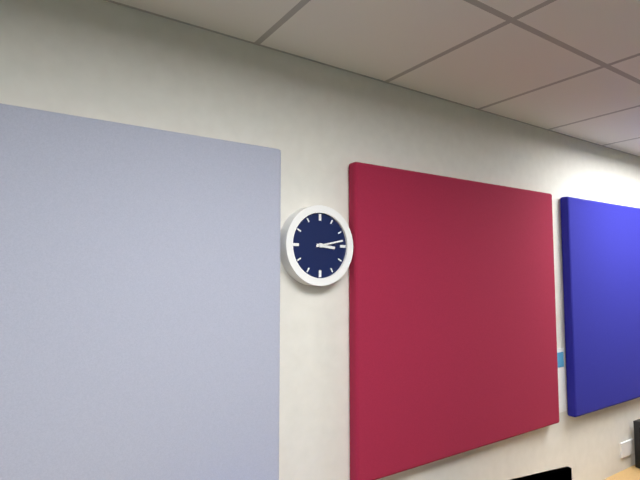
3:13
